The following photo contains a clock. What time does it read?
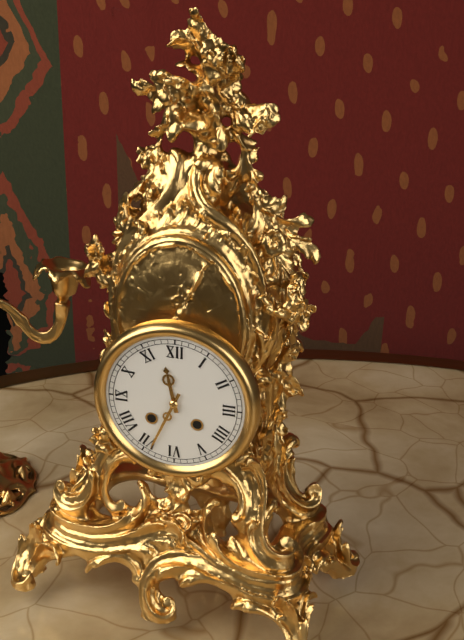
11:34
